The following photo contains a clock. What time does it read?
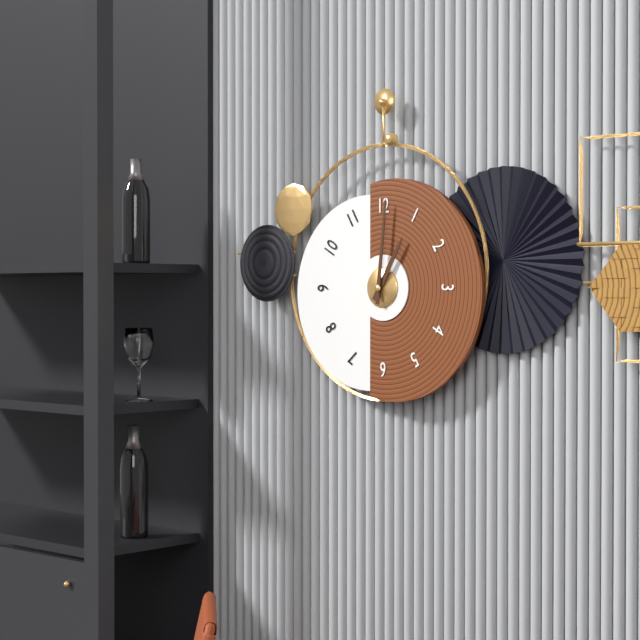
1:01
